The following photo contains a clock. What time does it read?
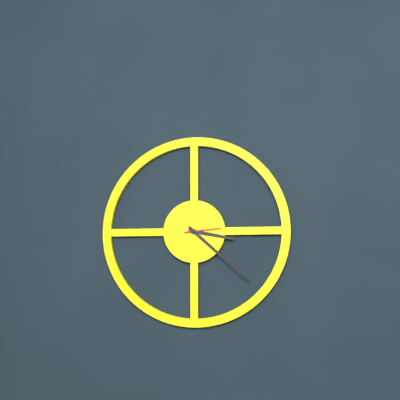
3:22
